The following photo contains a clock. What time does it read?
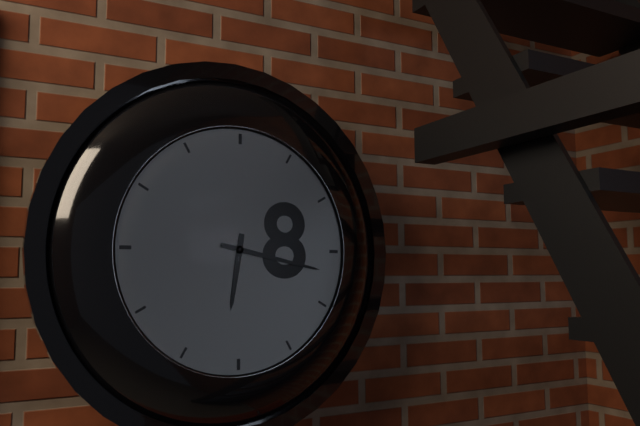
6:17
